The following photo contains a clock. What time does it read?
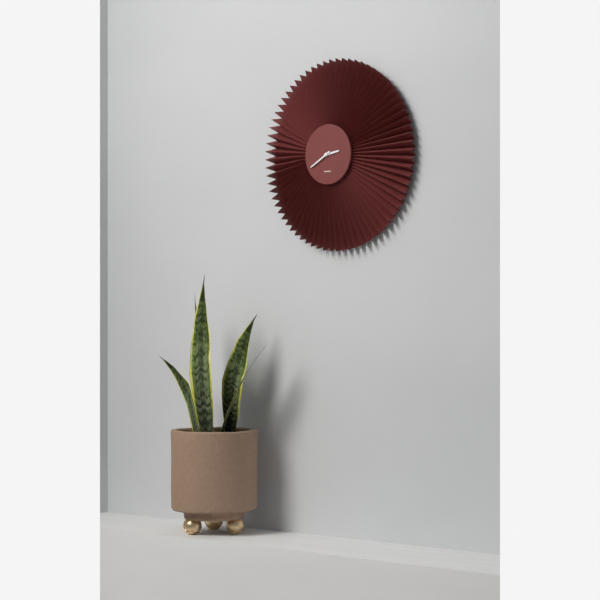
2:40
